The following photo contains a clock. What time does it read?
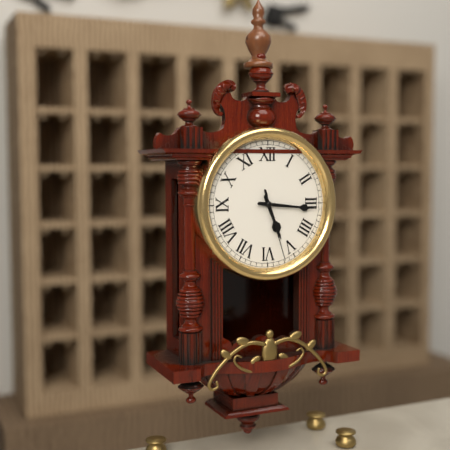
5:16:27
